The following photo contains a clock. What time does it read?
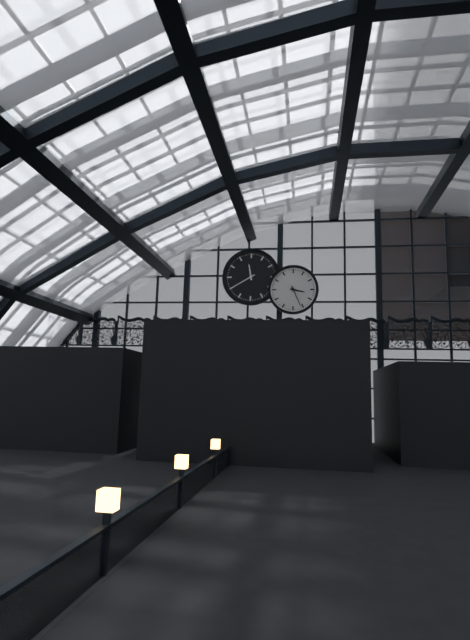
3:26
